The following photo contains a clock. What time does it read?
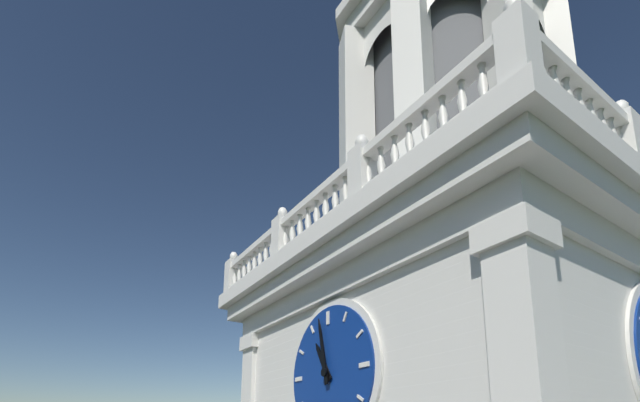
10:58
